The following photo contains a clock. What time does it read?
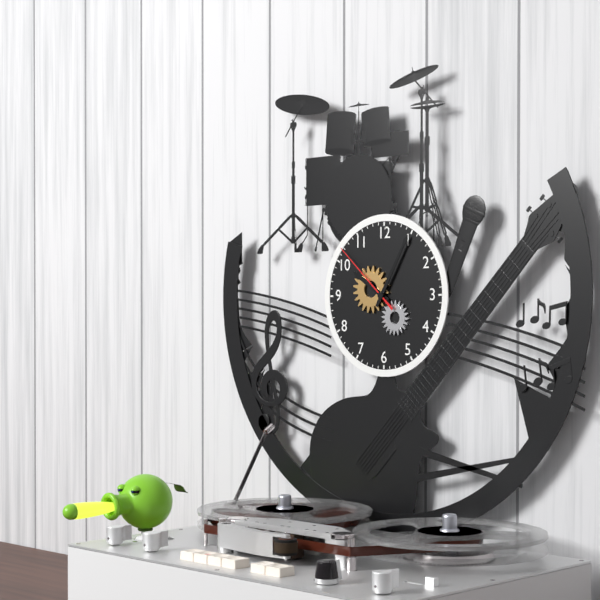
10:05:52
